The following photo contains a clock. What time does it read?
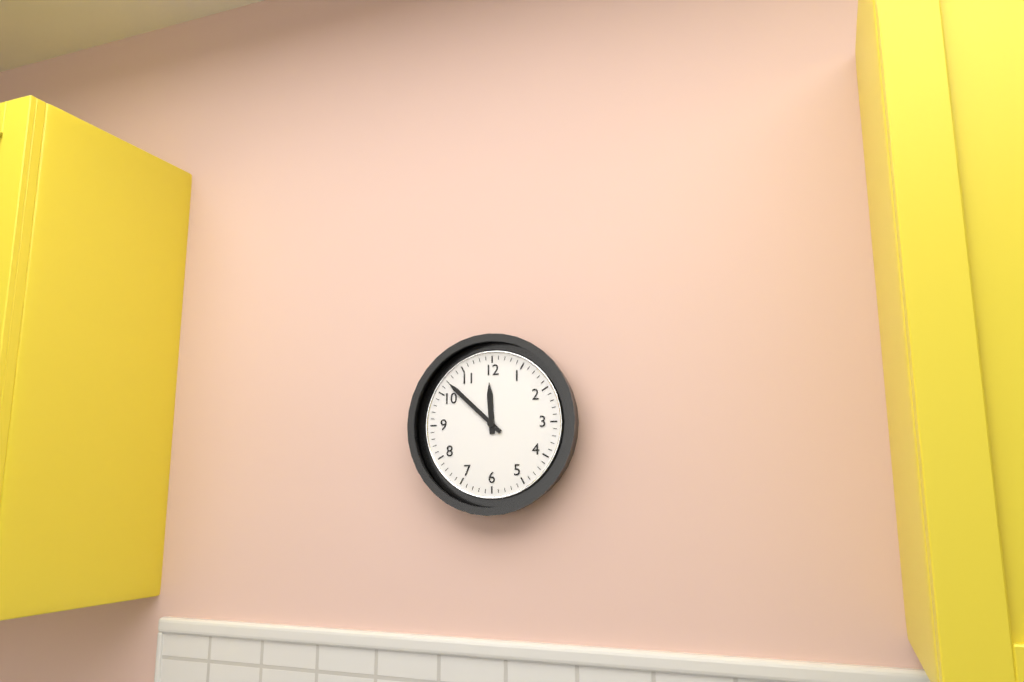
11:52
